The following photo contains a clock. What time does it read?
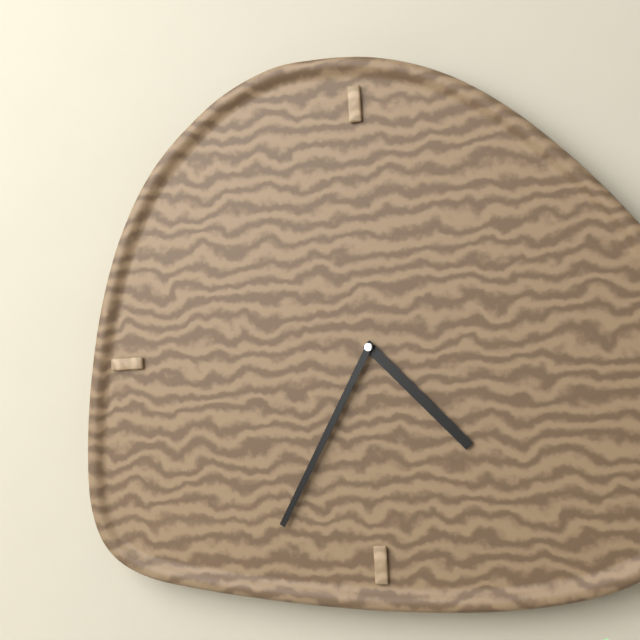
4:35
